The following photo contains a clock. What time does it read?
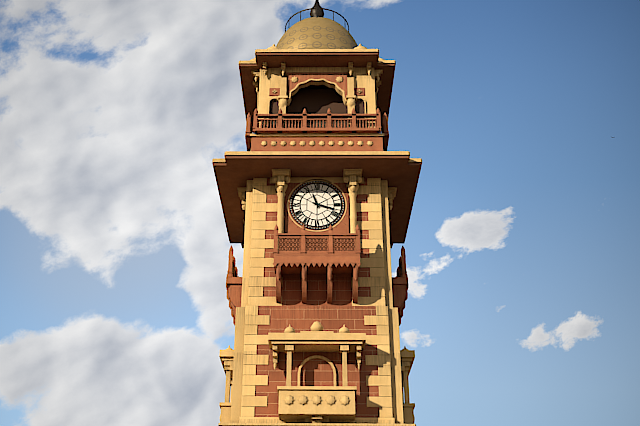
11:18
